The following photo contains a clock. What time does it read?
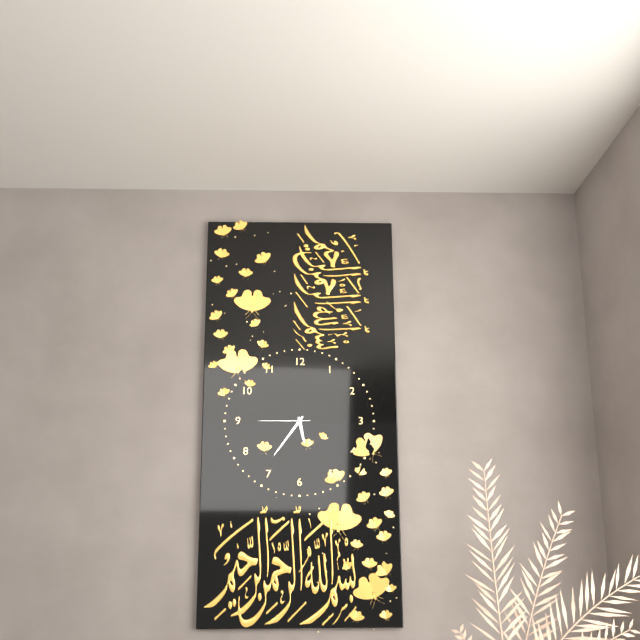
5:36:45
